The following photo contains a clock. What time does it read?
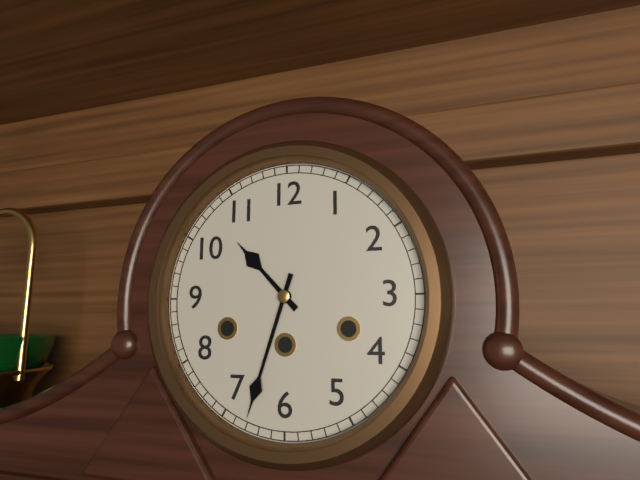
10:33
